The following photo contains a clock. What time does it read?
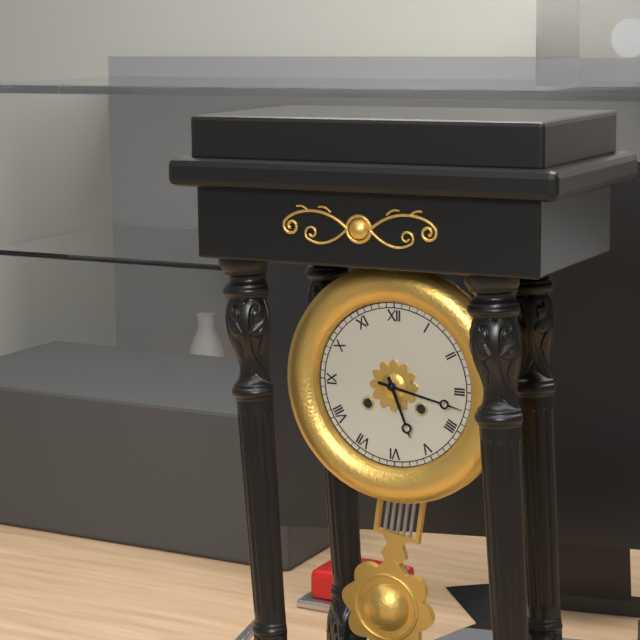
5:17
